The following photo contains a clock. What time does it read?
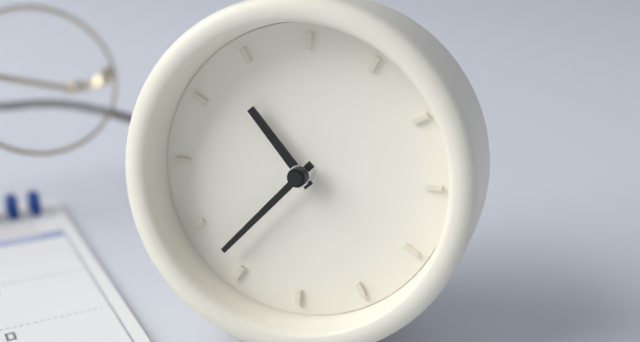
10:37
